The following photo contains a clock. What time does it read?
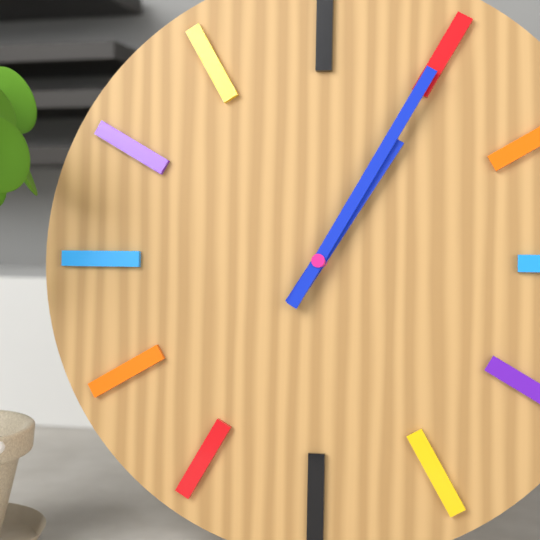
1:05
